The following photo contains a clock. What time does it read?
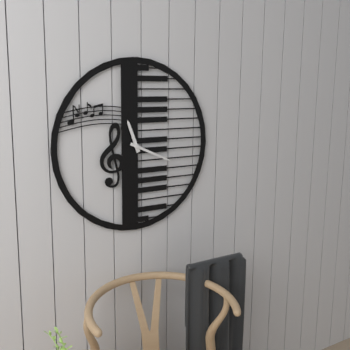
11:19
